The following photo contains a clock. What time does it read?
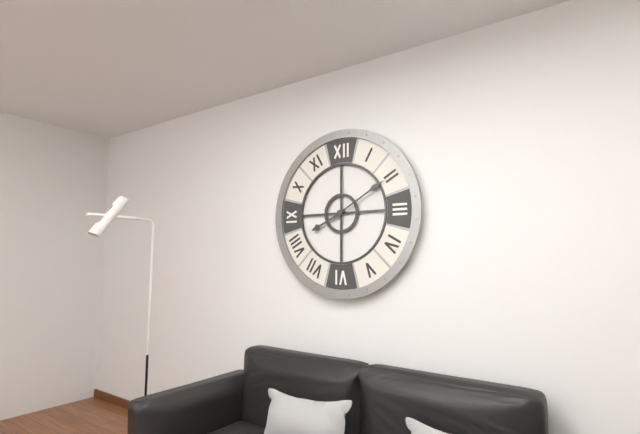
8:10
